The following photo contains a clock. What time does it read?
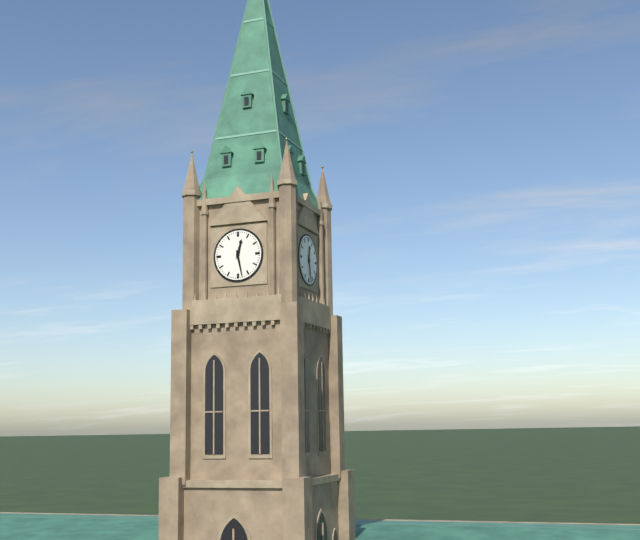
12:28
